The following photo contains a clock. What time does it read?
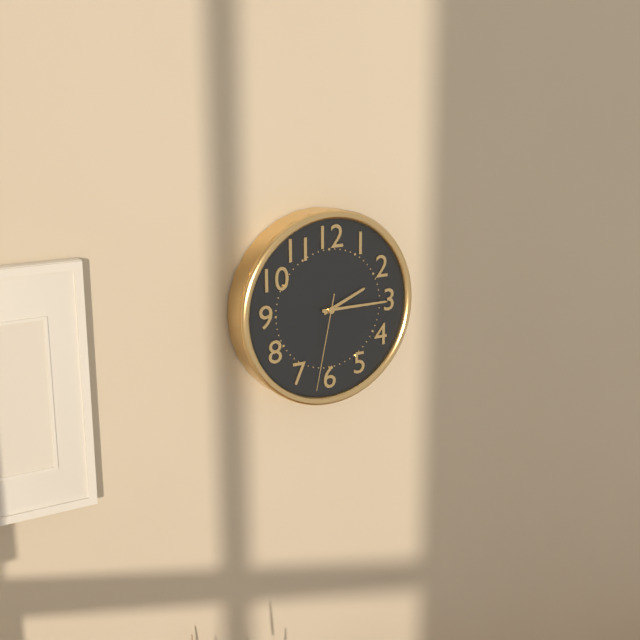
2:15:32
